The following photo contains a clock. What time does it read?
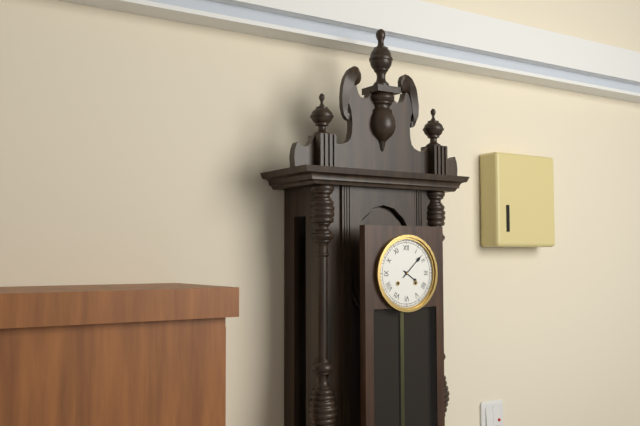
4:08
